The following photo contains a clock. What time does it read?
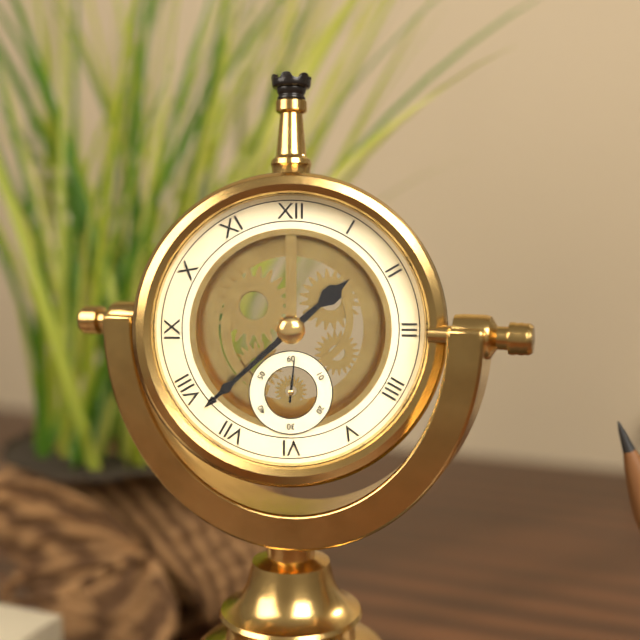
1:38
